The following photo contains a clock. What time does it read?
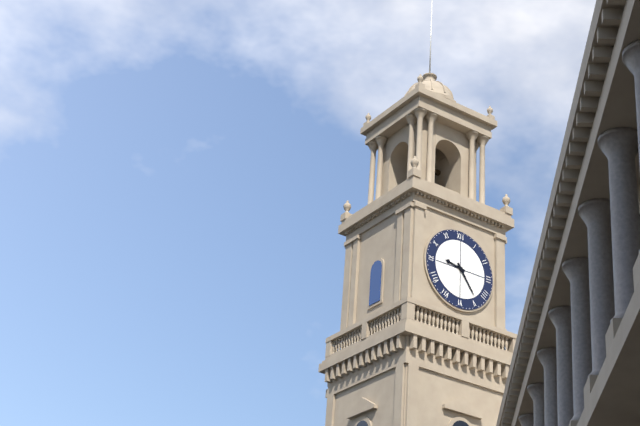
9:24
